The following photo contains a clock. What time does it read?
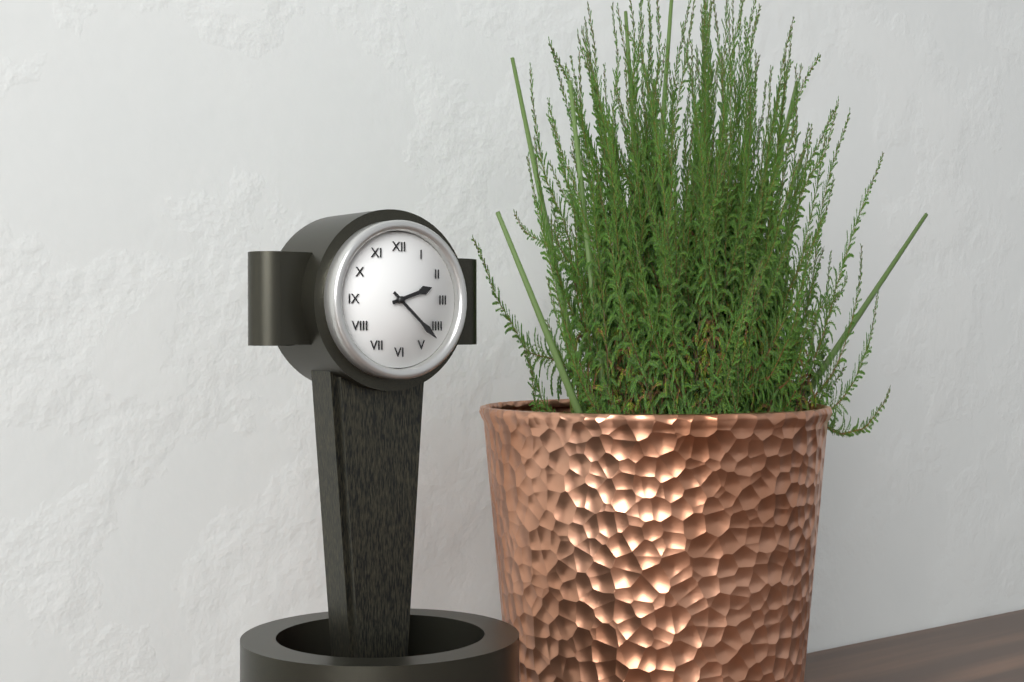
2:22
